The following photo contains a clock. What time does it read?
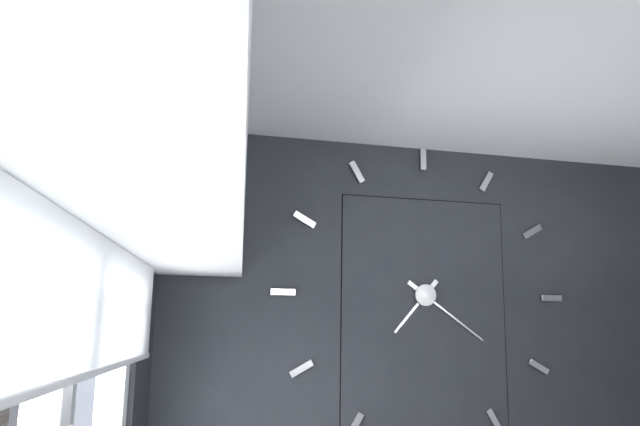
7:21
